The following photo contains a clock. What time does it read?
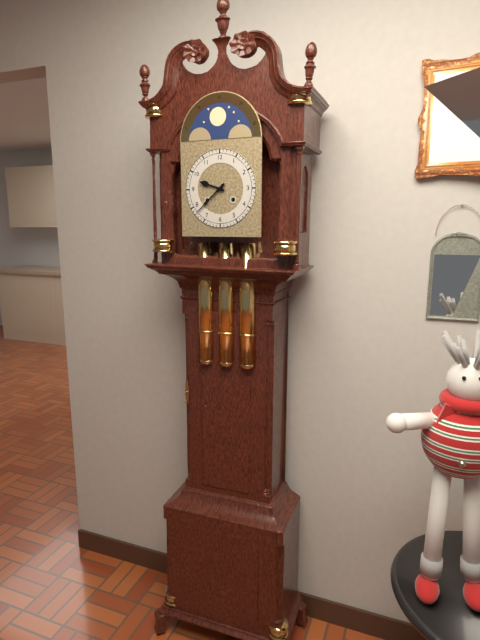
9:38
